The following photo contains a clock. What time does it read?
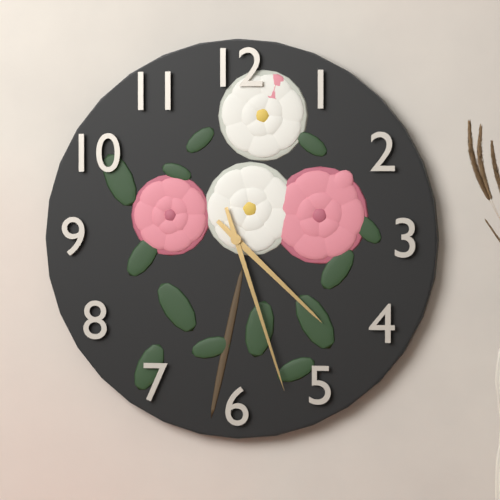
4:27
